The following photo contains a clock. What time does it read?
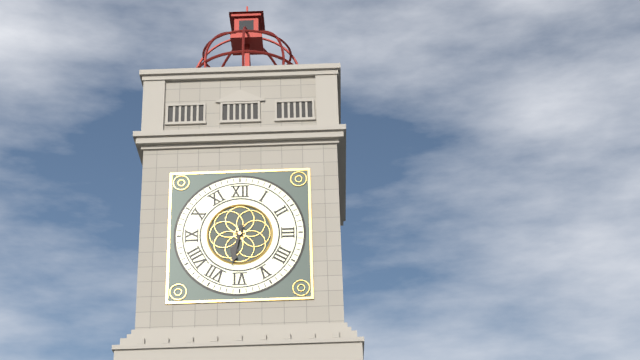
6:32
